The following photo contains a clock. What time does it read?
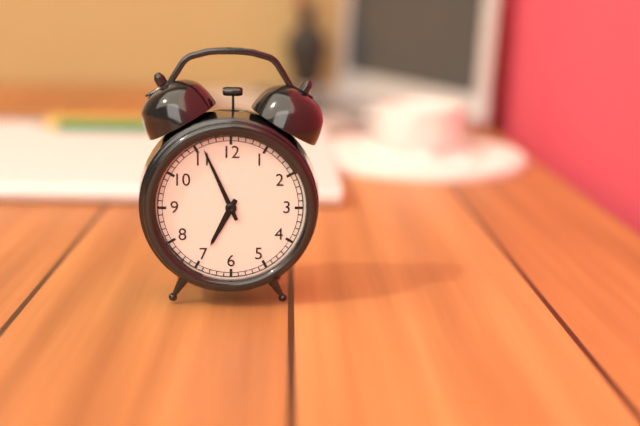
6:56
